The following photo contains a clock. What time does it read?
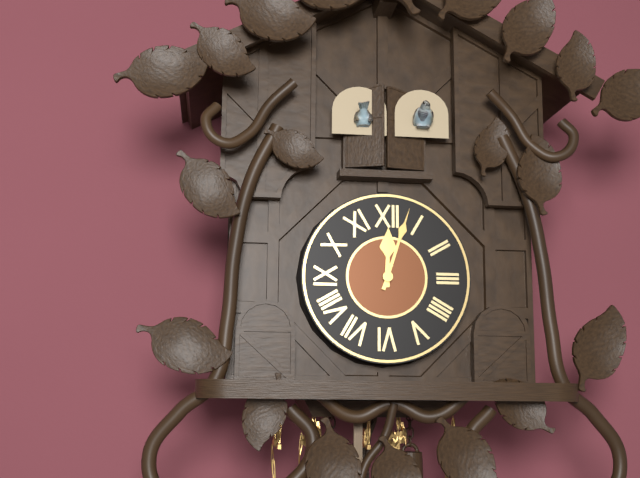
12:03
